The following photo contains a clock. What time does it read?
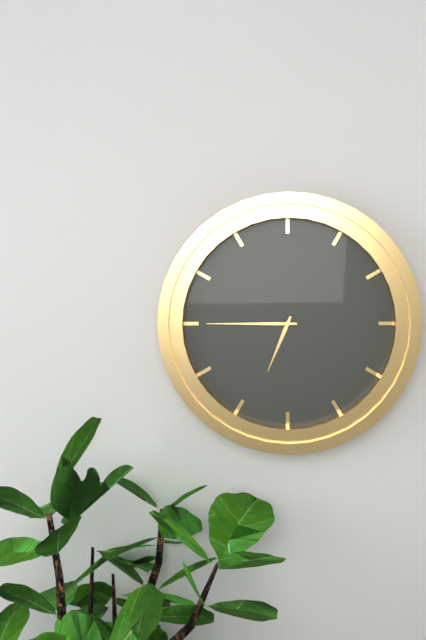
6:45
